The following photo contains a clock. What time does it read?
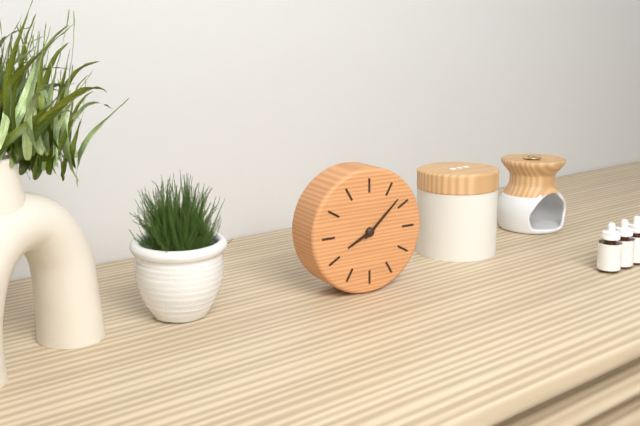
8:08
